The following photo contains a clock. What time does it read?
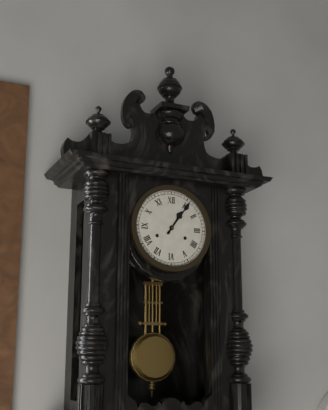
1:06
